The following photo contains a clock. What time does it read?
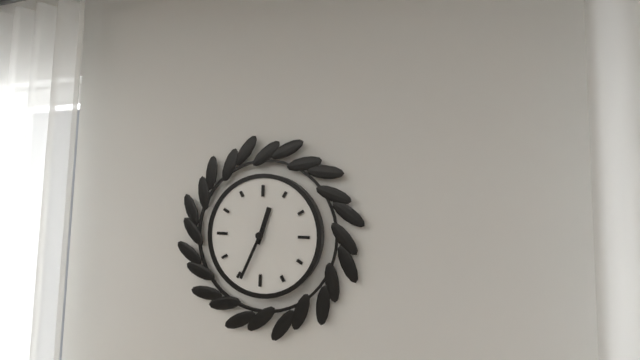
12:34
